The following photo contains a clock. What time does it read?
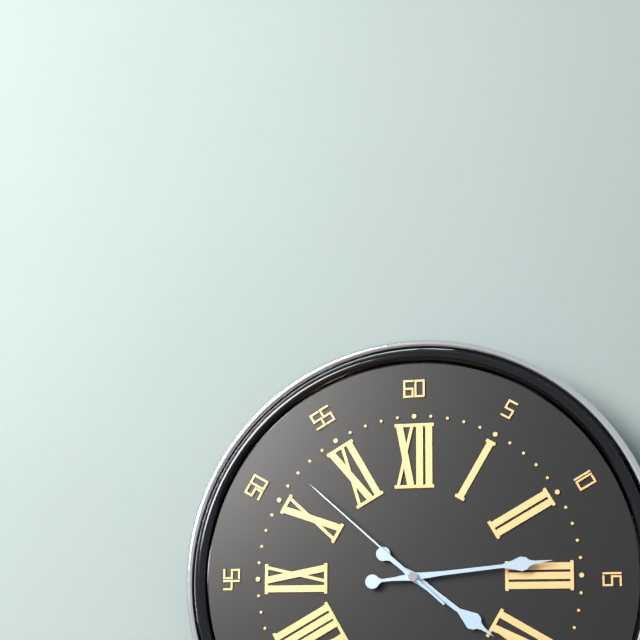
4:14:52
